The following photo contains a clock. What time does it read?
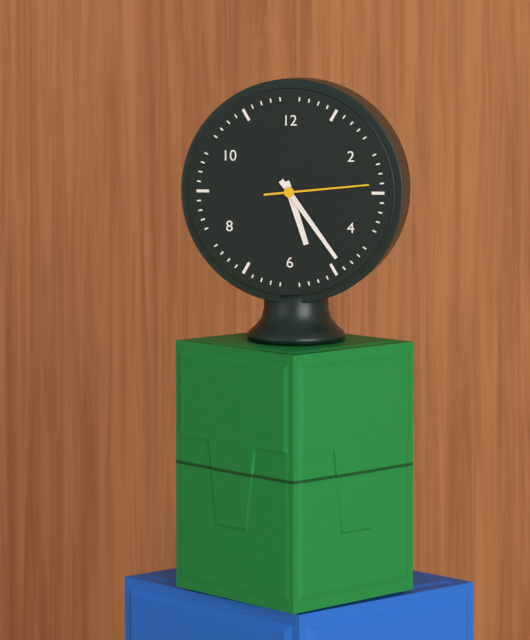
5:24:14
